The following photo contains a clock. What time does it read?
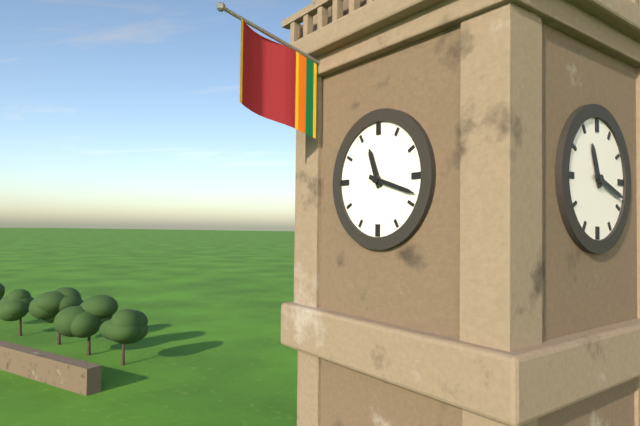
11:18
